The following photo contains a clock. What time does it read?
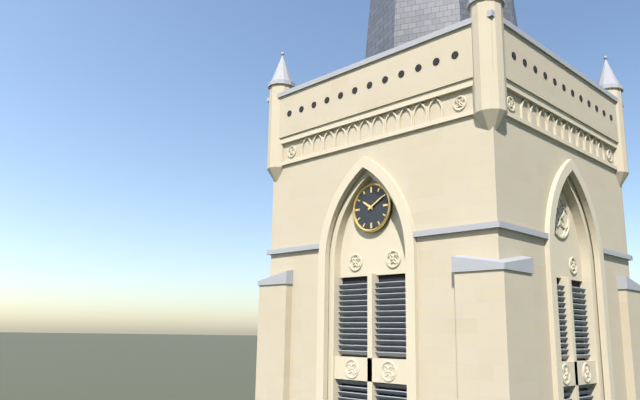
10:10
